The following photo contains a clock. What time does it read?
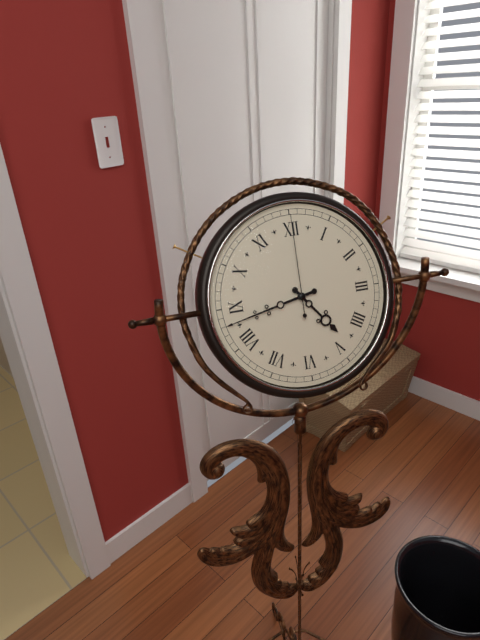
4:43:00
